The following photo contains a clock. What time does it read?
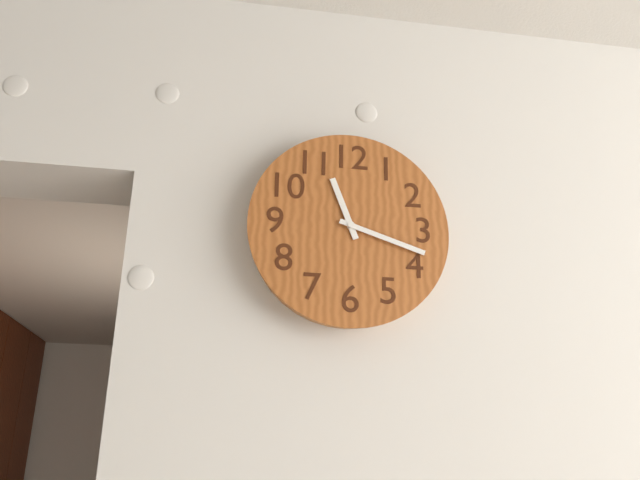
11:18
